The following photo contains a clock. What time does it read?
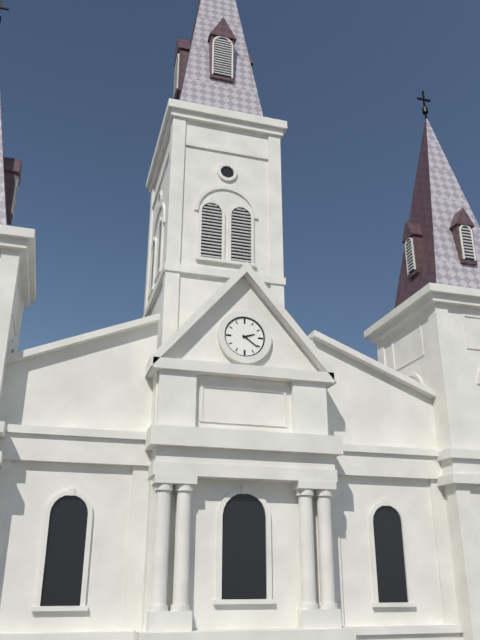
2:21
